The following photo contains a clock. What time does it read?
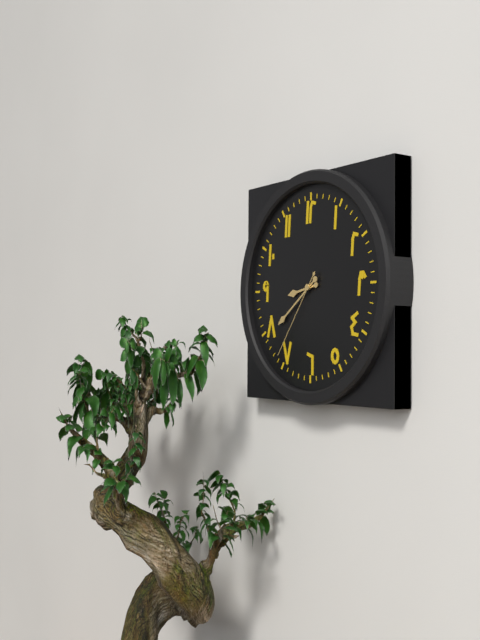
8:39:36
